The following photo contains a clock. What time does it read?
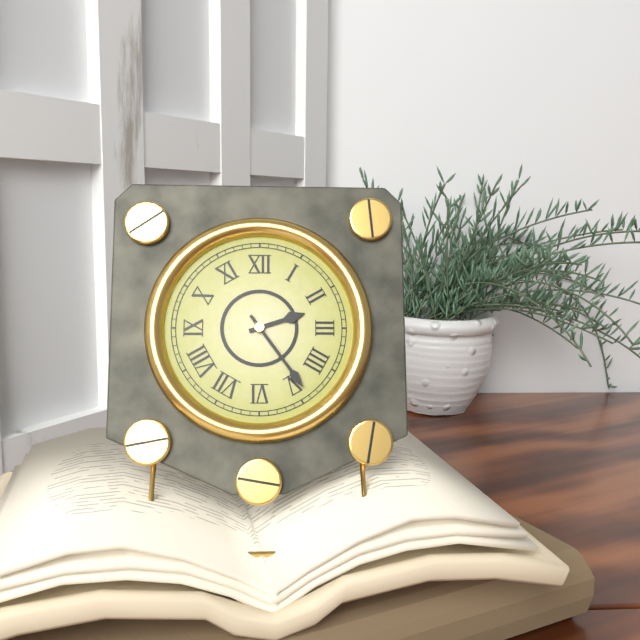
2:24
